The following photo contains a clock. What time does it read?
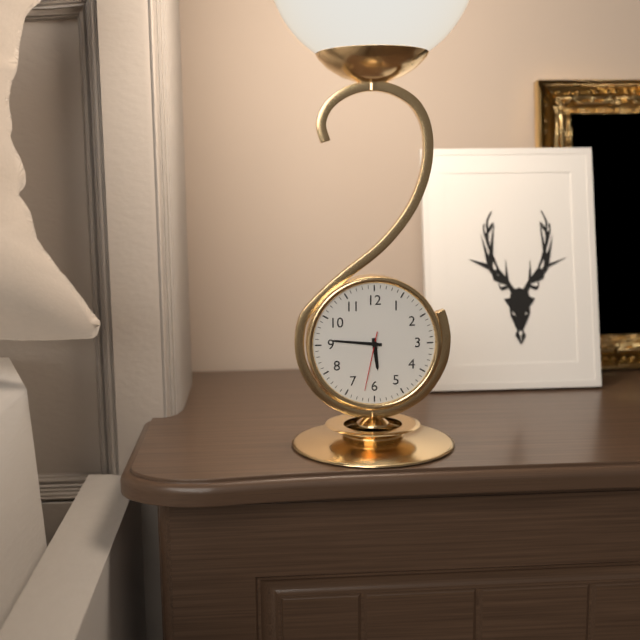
5:46:32
